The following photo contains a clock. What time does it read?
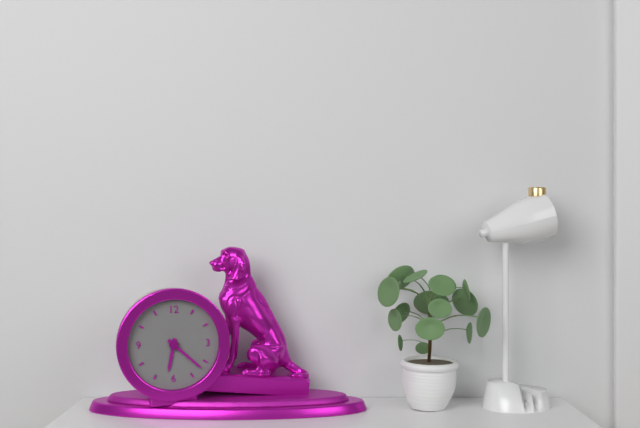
6:22
